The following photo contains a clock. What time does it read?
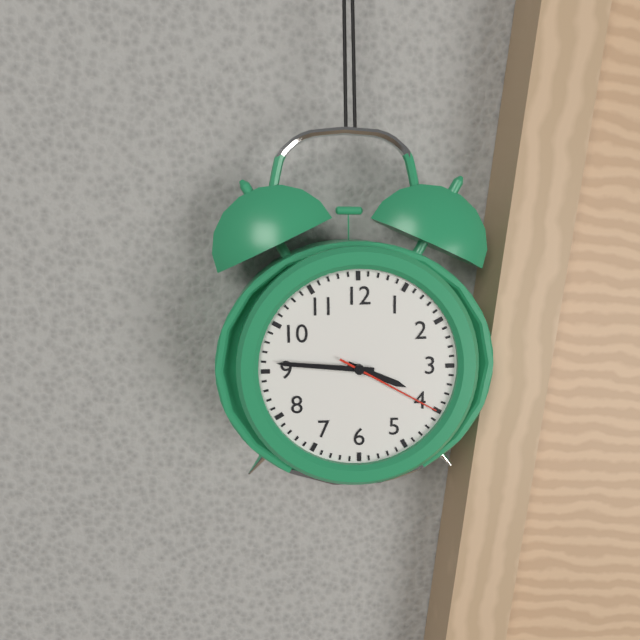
3:46:20
